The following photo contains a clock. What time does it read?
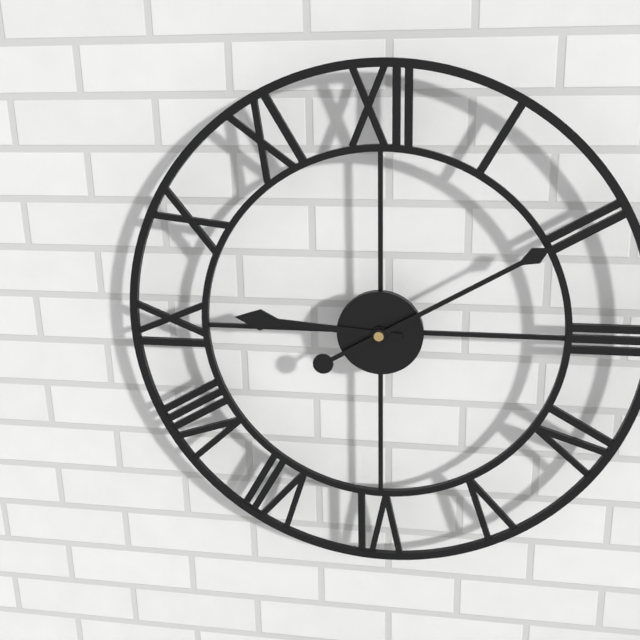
9:10
